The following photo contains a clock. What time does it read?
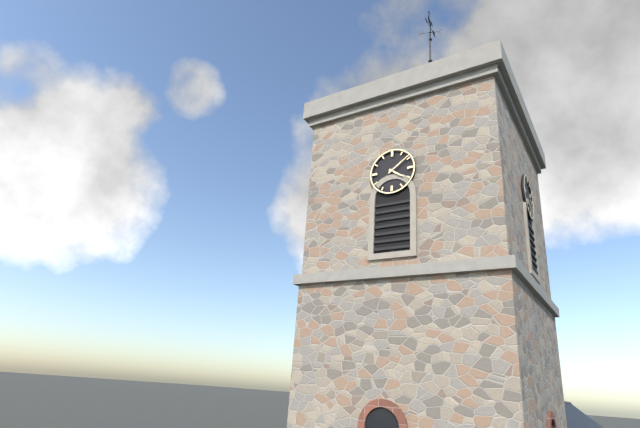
4:09
